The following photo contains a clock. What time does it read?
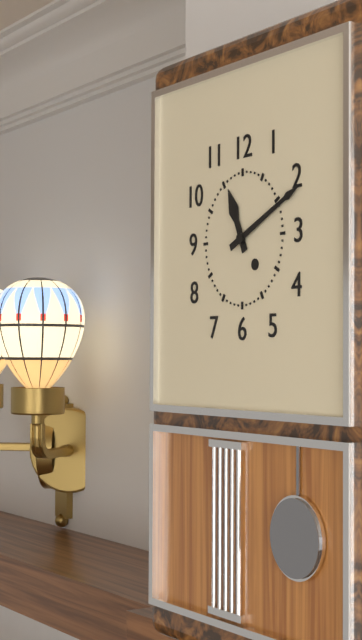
11:11
